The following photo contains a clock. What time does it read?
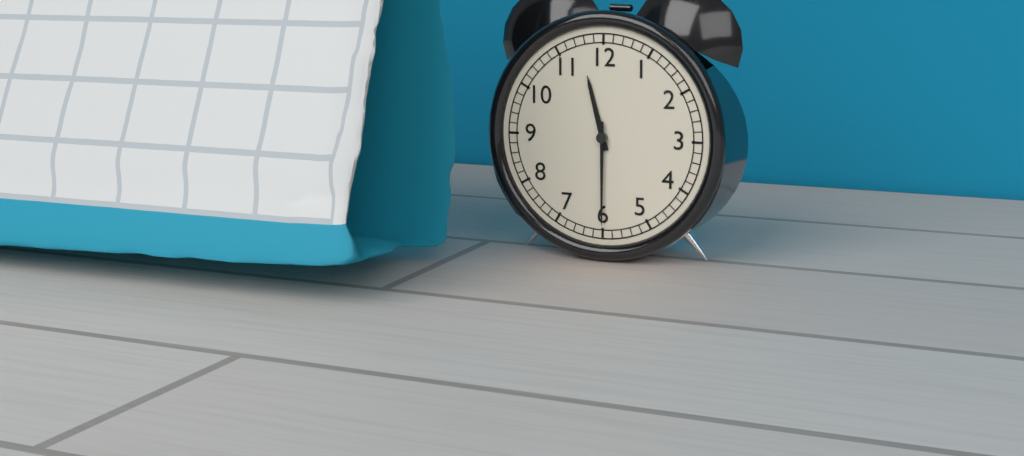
11:30
